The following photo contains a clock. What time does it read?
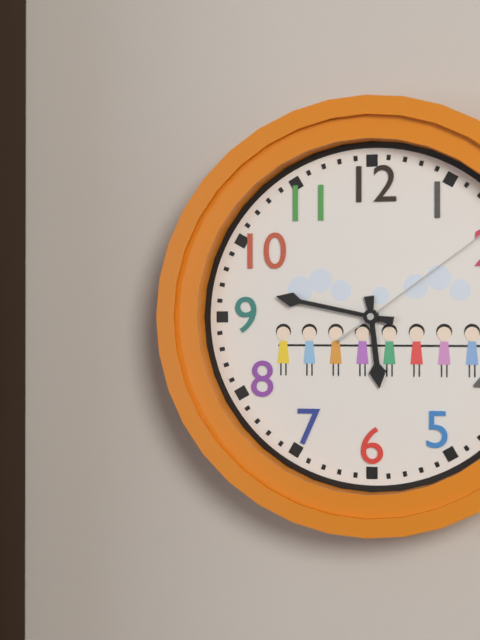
5:47
